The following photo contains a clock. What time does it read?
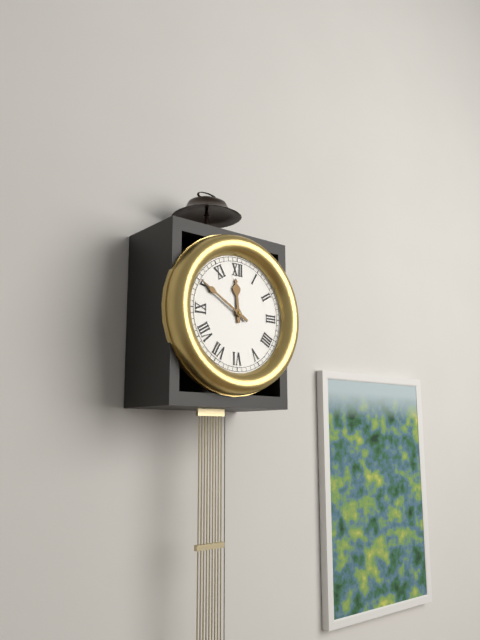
11:50
